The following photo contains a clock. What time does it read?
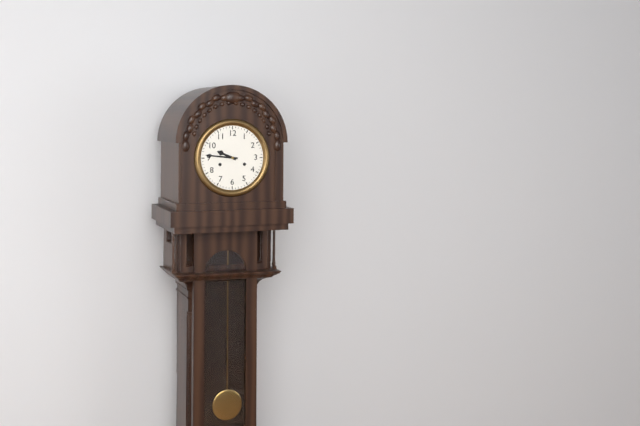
9:46
